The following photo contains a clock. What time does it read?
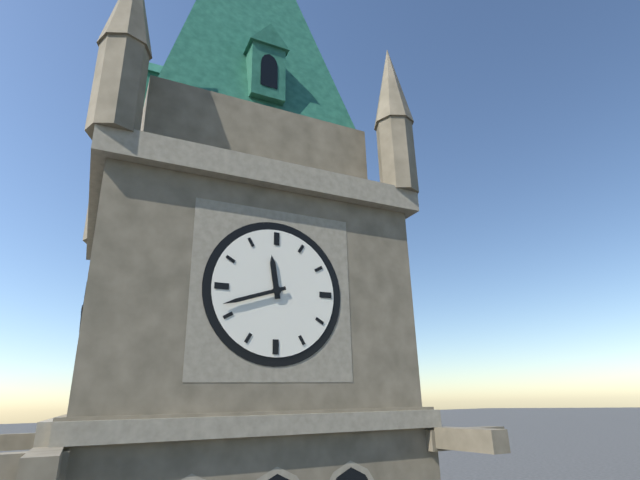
11:42
